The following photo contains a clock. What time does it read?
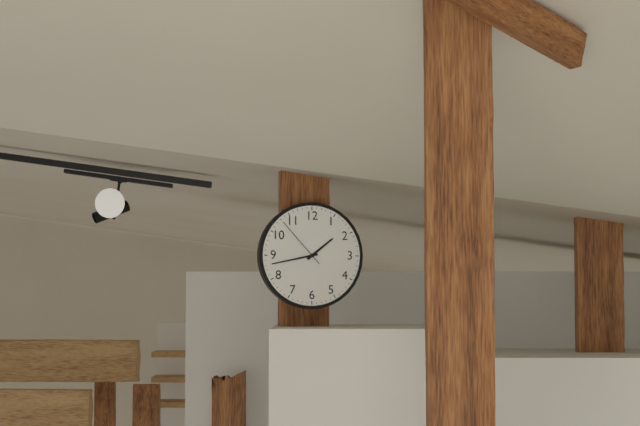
1:43:53
